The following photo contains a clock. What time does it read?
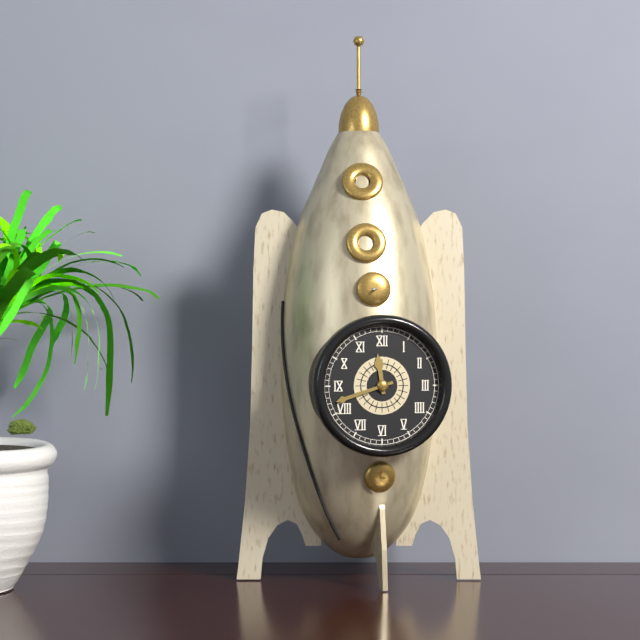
11:42
